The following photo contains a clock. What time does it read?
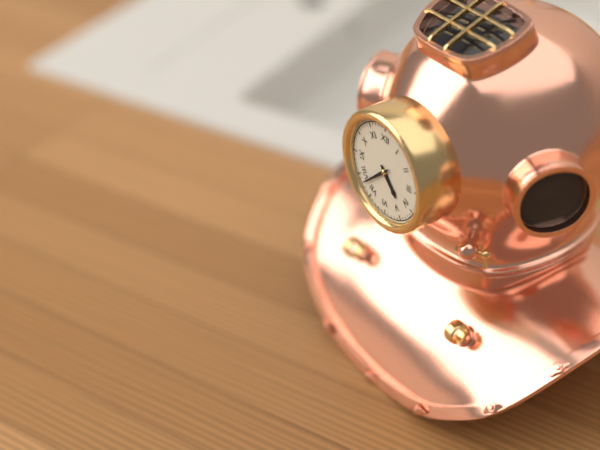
4:38
